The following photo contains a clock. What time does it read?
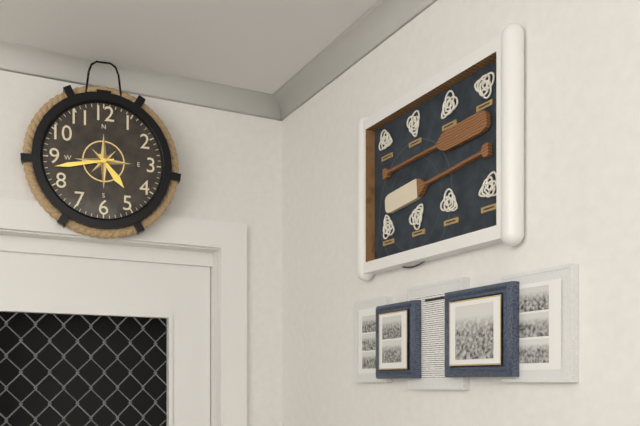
4:43
